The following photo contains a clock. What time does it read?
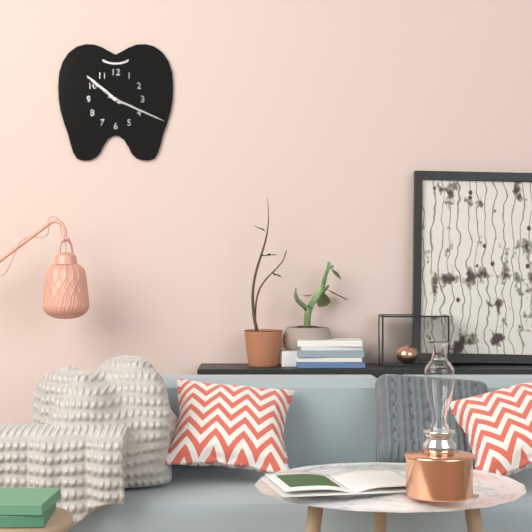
10:19
